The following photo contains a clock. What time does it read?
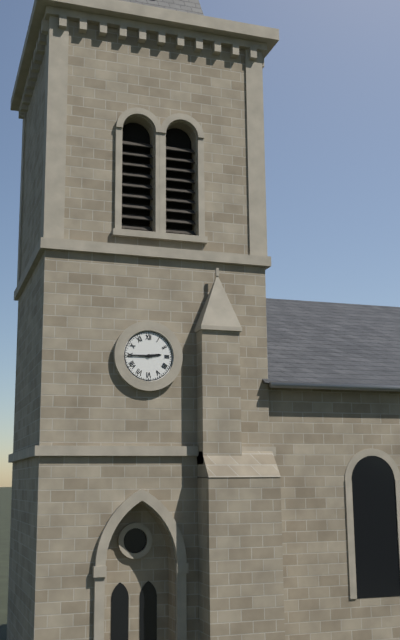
2:45
